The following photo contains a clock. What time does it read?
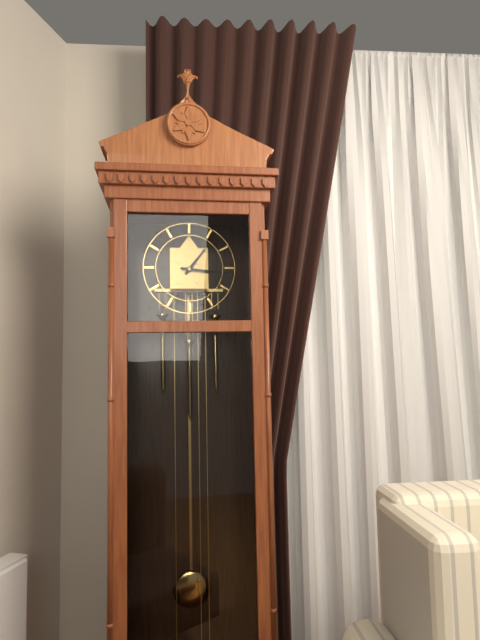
1:16
